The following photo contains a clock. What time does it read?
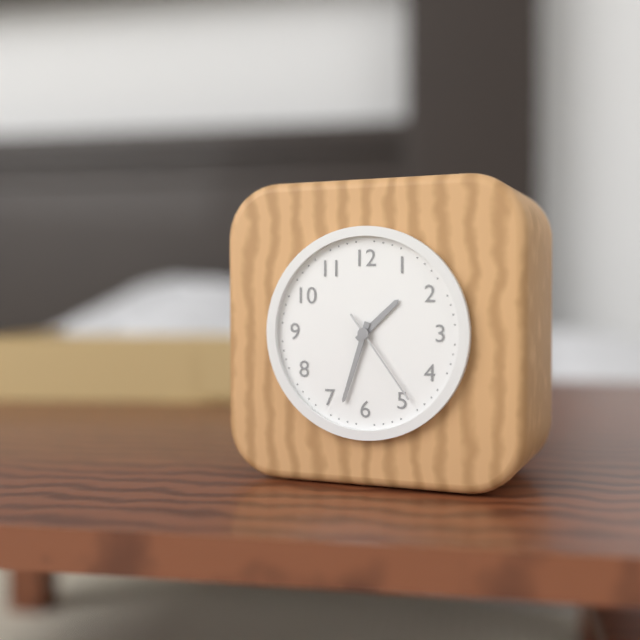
1:33:24
